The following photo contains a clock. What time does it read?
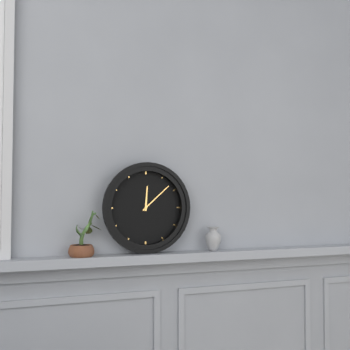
12:08
